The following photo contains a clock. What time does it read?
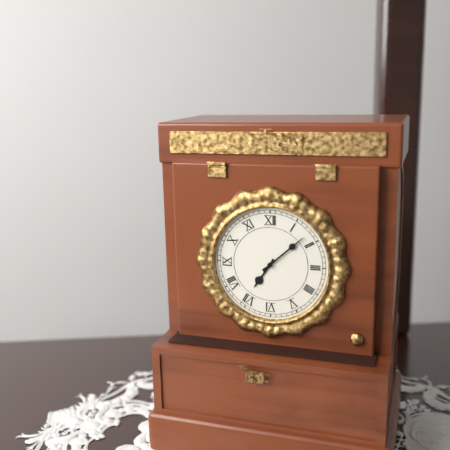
7:08
